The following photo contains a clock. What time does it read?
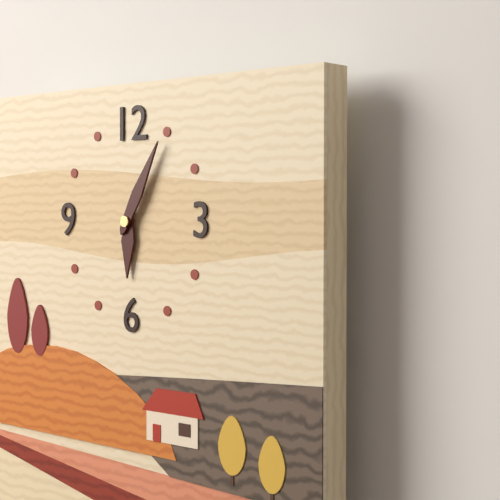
6:05
